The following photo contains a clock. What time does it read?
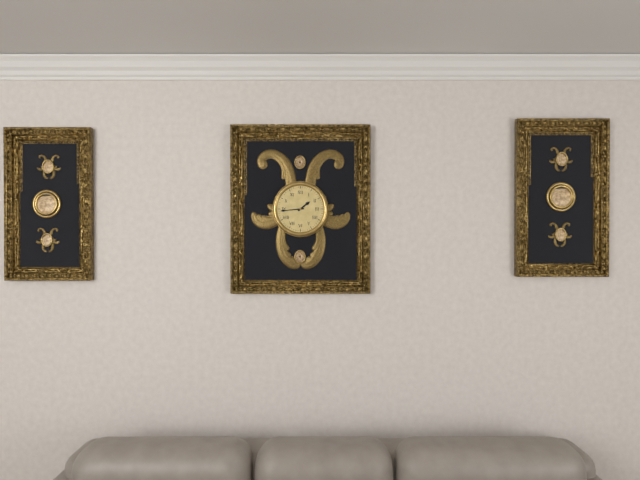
1:44
